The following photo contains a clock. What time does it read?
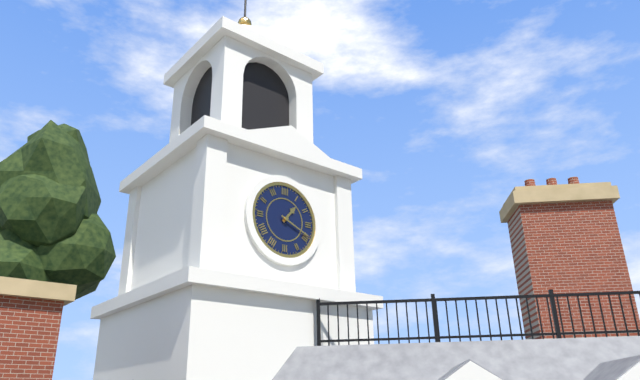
1:19
